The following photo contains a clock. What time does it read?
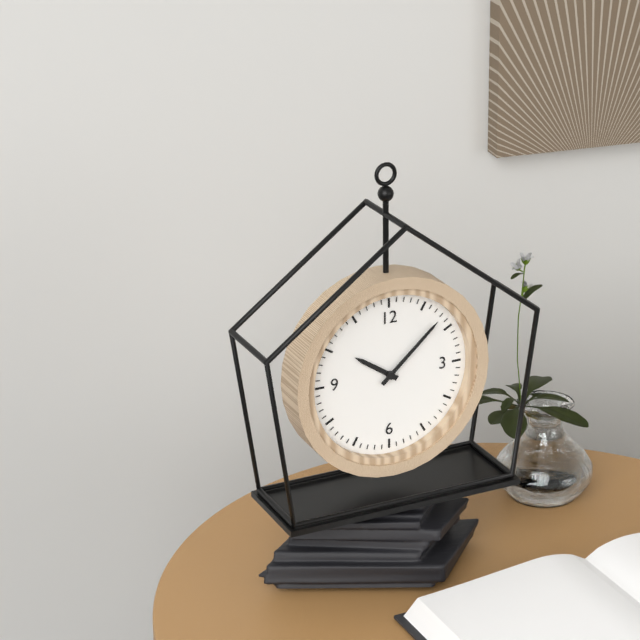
10:08
